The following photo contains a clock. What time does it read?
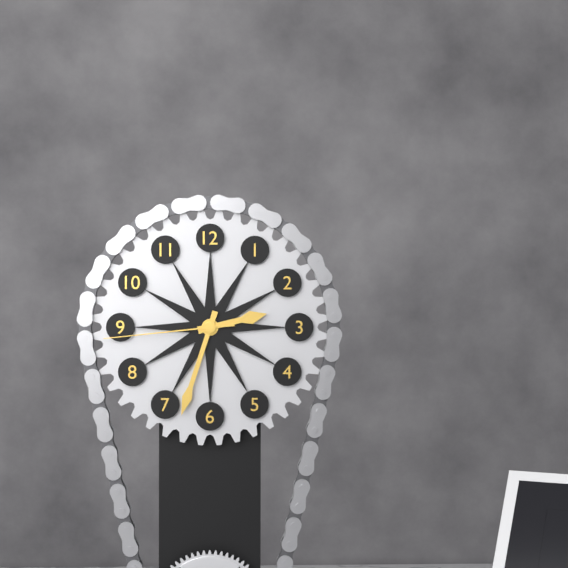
2:33:44
